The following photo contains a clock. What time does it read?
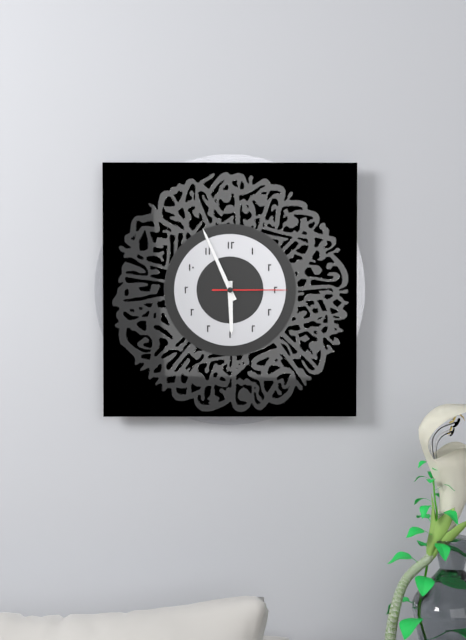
5:56:15
